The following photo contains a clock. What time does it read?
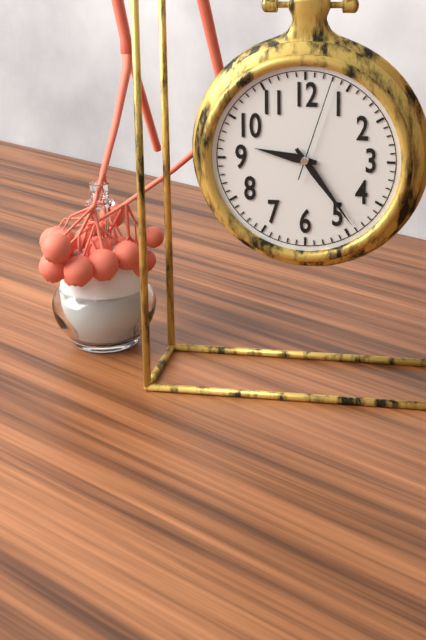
9:24:03
